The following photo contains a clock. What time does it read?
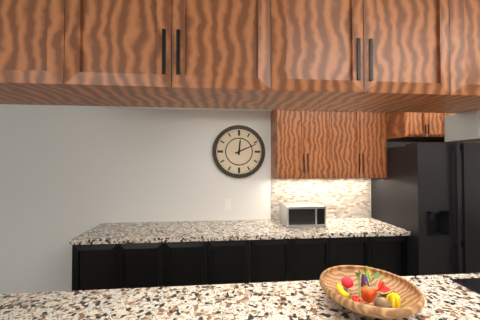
12:11
